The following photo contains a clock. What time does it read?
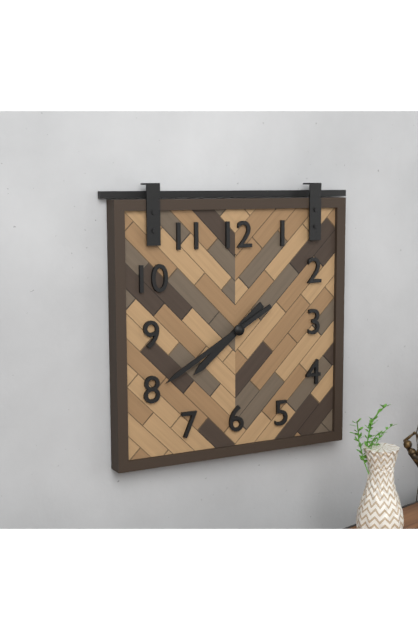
7:40
